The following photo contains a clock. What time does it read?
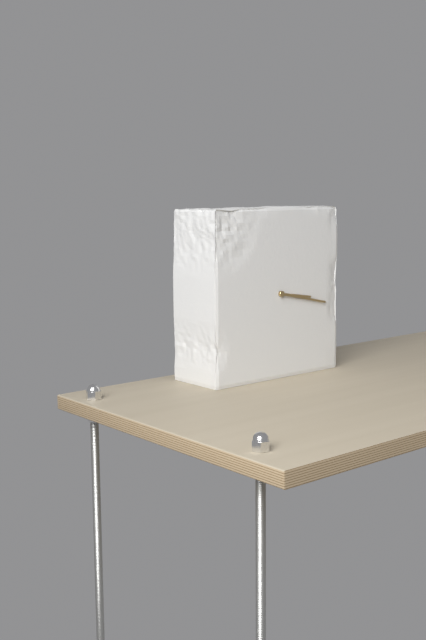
3:17
